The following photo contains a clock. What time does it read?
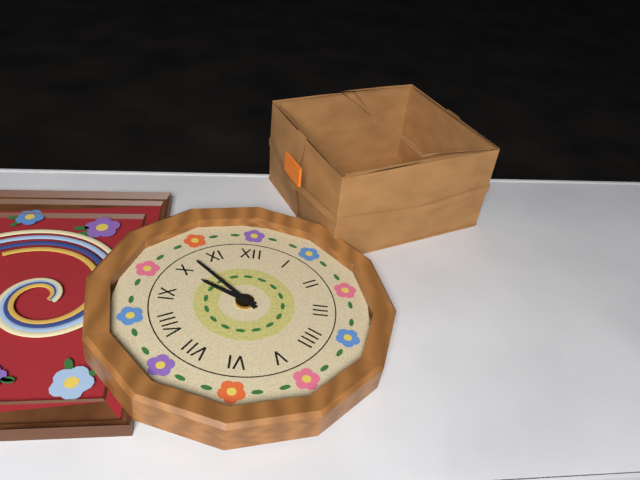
9:52
